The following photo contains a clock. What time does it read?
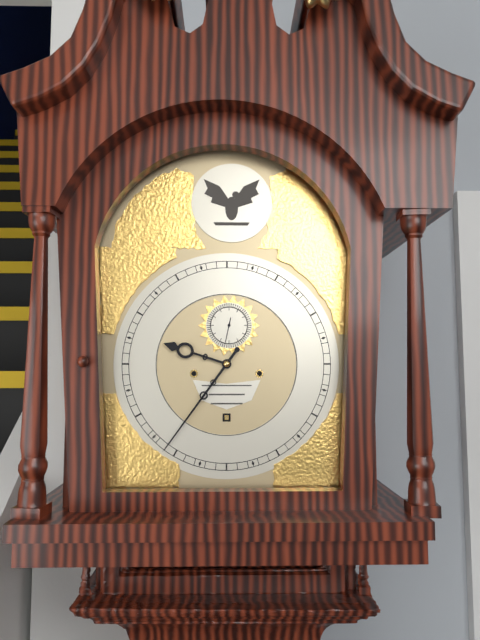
9:36
